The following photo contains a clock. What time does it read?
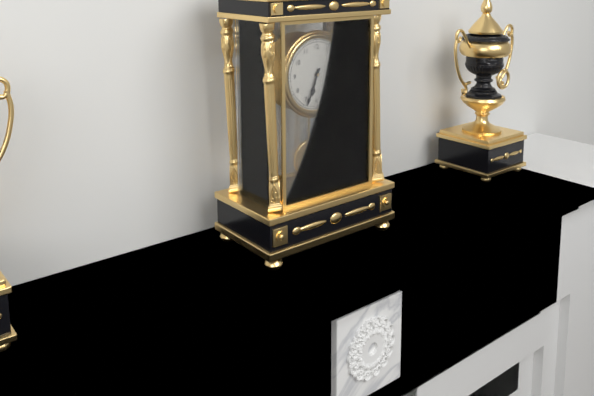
6:34
